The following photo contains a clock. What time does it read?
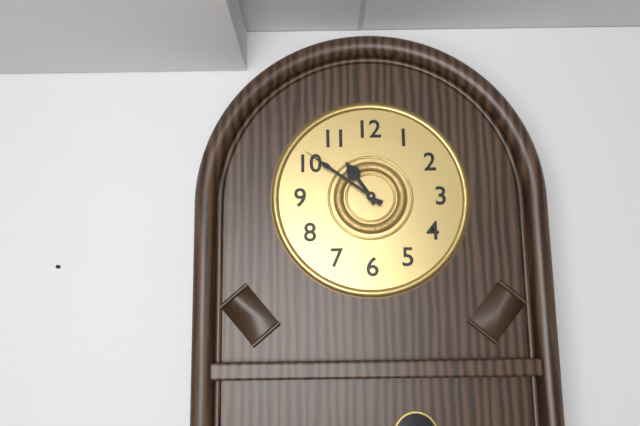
10:51
